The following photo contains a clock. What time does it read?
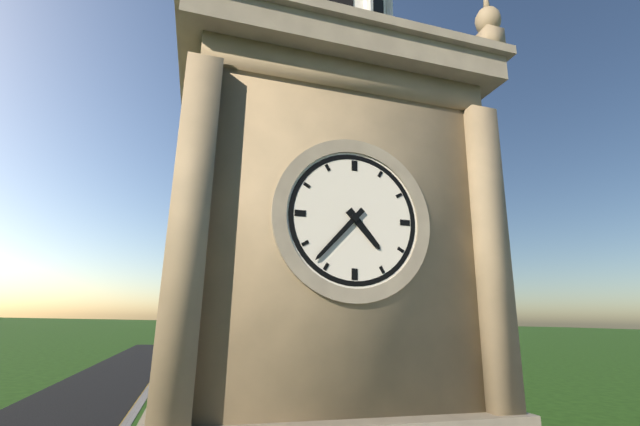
4:37
